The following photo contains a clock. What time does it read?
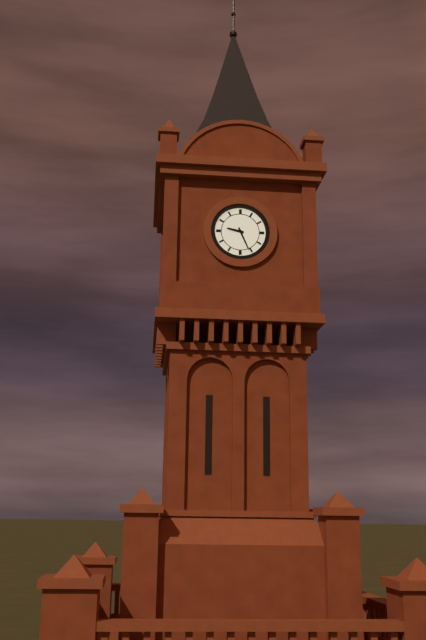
9:26
